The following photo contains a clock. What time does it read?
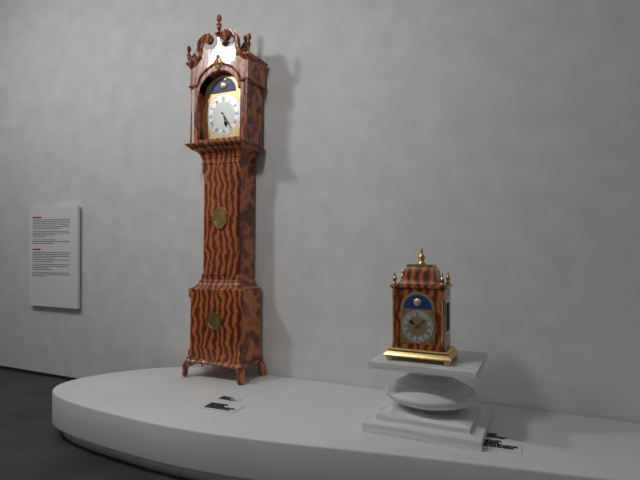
5:24
